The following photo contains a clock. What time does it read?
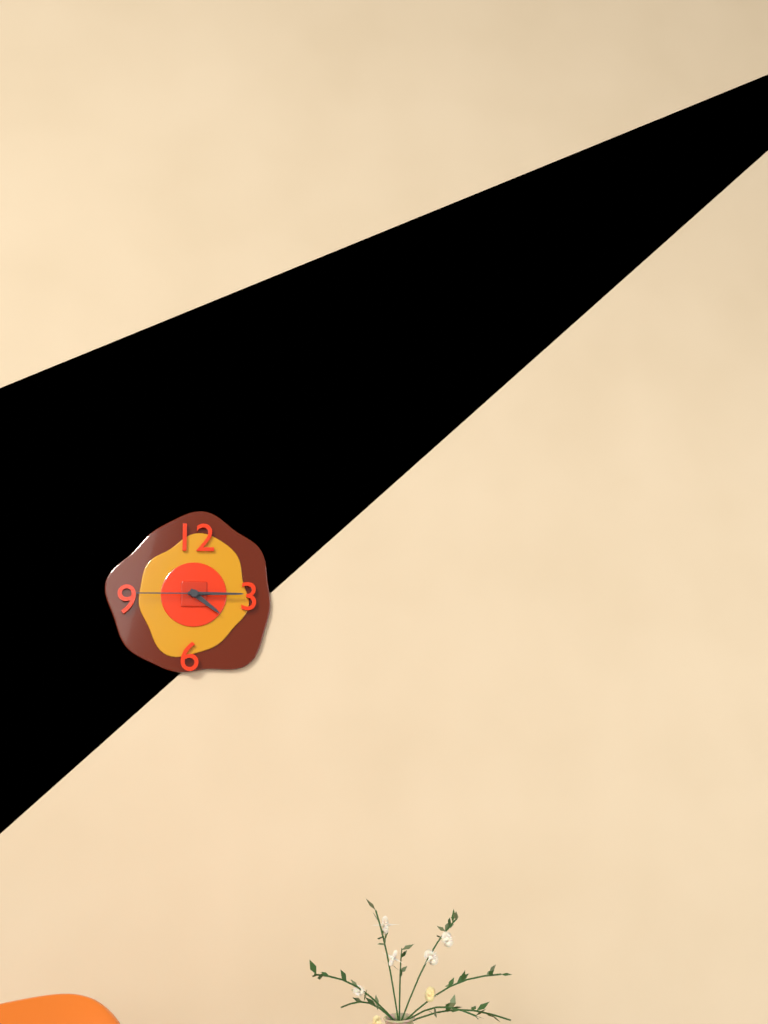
4:15:45
